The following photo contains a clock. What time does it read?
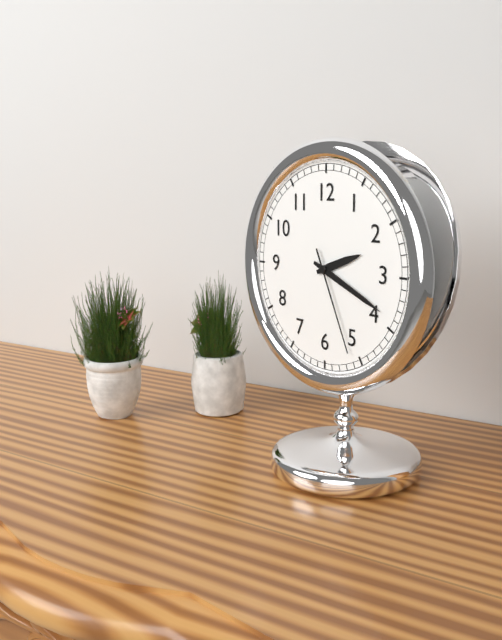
2:19:26
